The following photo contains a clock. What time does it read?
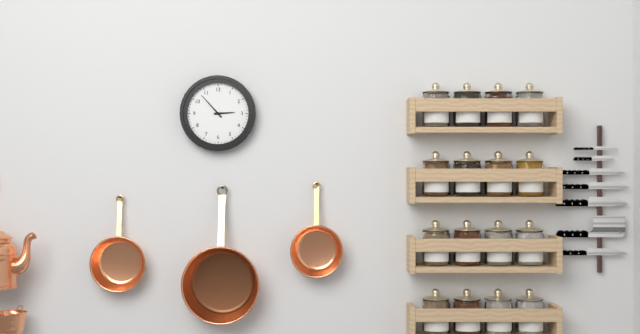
2:53
